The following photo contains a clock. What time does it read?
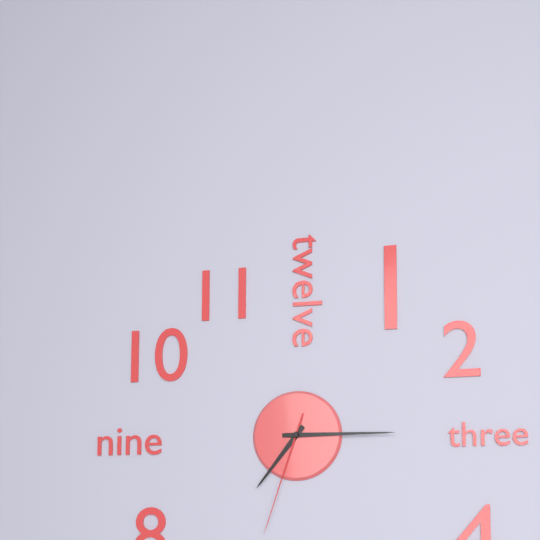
7:15:33
